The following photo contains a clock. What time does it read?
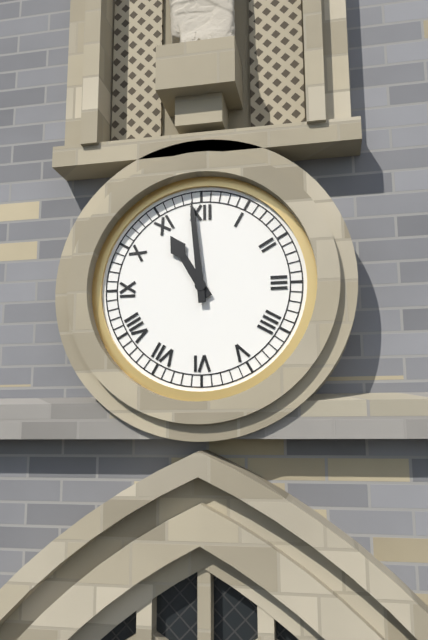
10:59
